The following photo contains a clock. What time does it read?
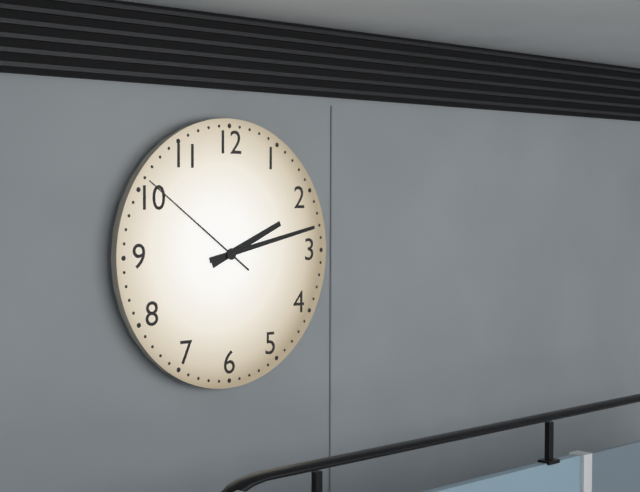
2:13:51
